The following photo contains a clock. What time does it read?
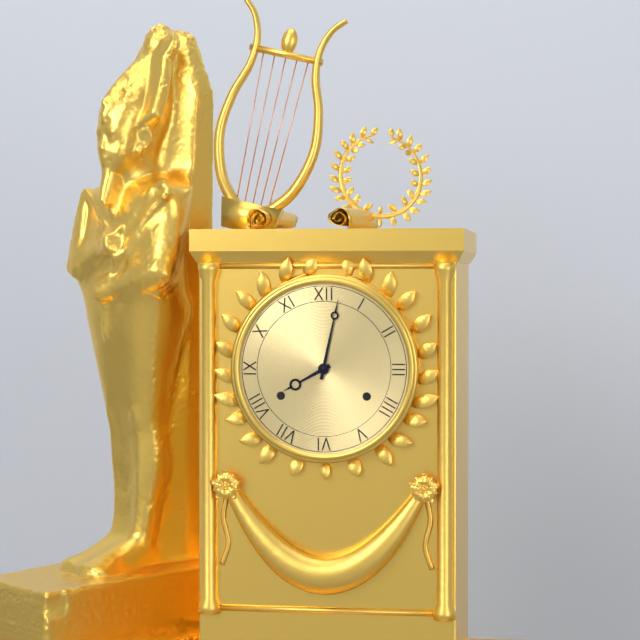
8:02
